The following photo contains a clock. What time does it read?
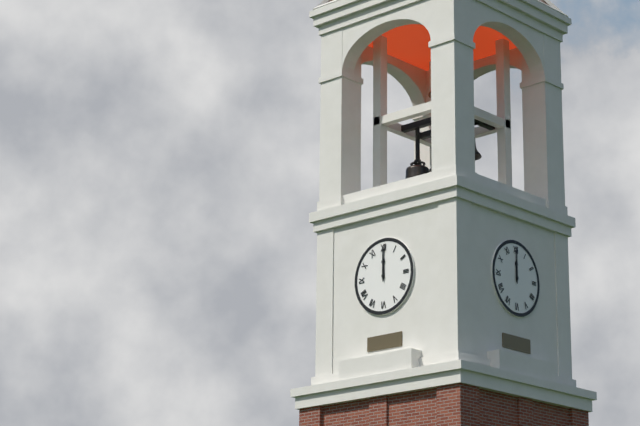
12:00
